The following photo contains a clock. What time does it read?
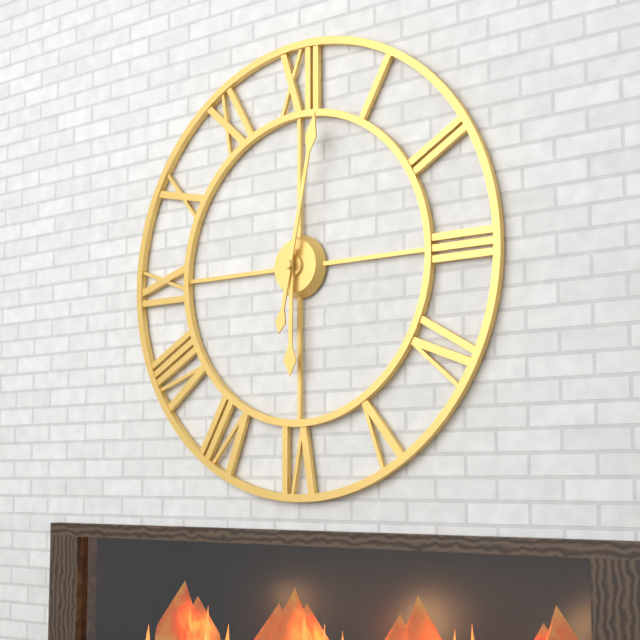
6:02
